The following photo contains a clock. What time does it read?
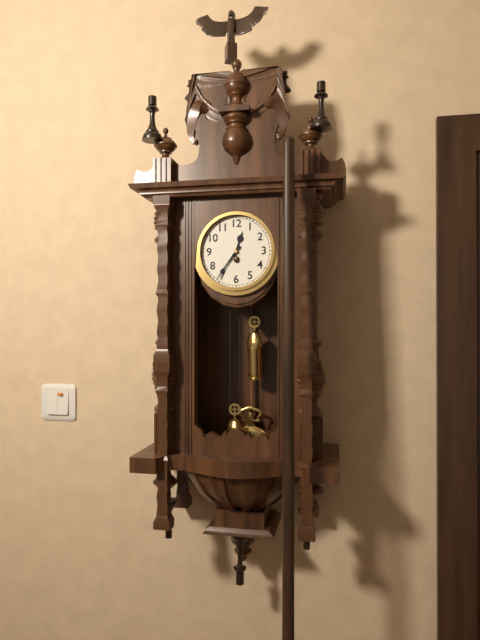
12:36
